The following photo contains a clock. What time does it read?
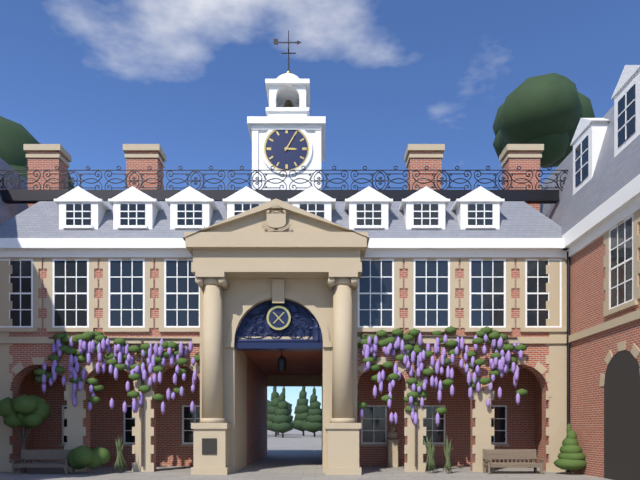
3:05
